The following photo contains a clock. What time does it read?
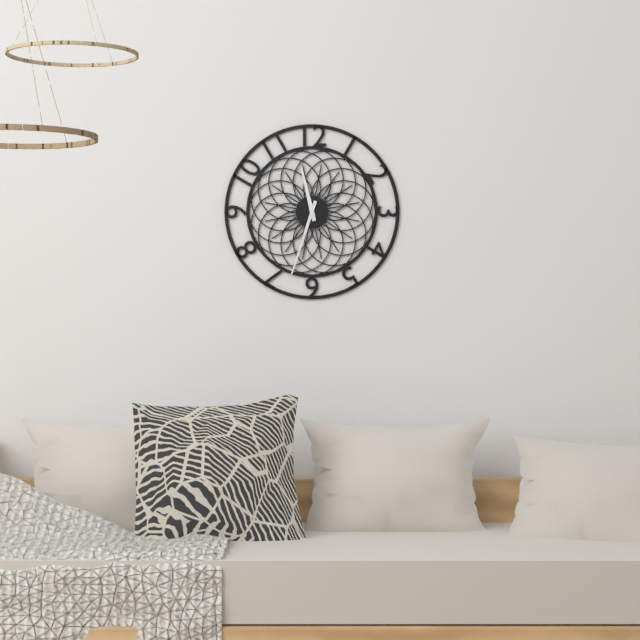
11:33
